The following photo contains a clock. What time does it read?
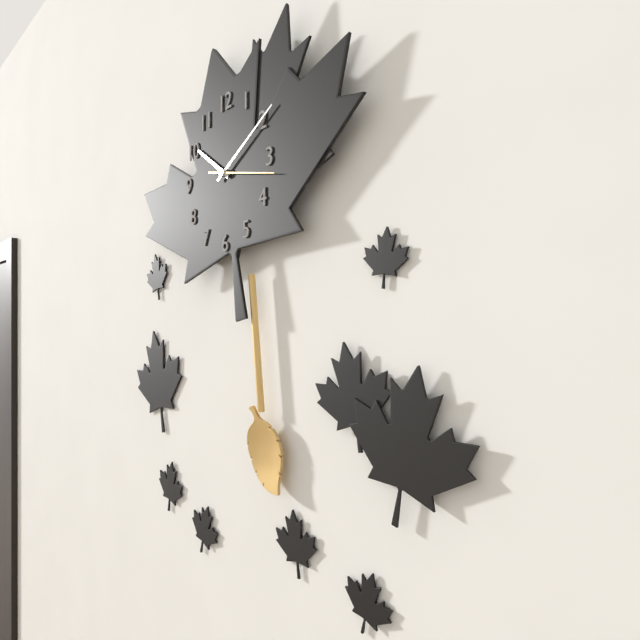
10:10:17
